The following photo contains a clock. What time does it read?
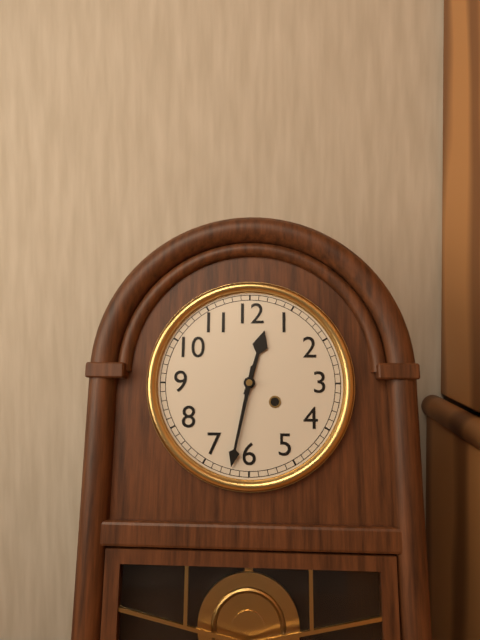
12:32
